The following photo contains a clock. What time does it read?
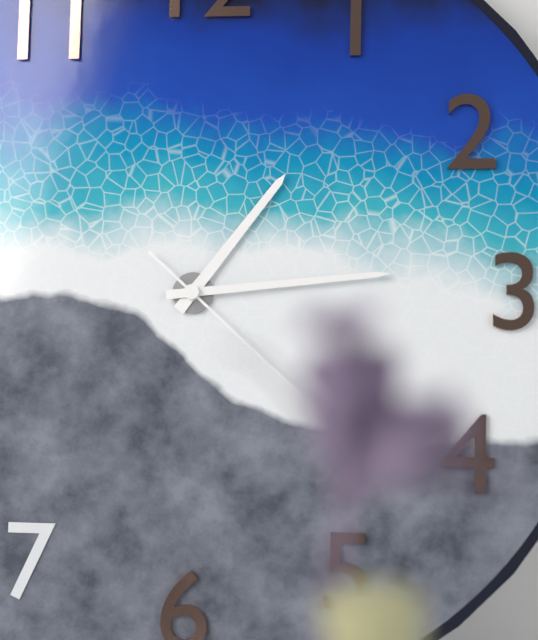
1:14
